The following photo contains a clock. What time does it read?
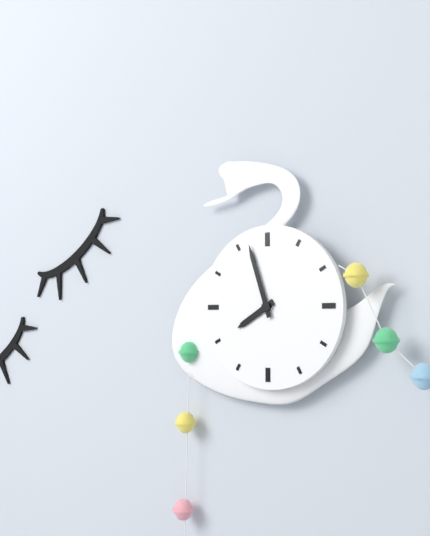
7:57
